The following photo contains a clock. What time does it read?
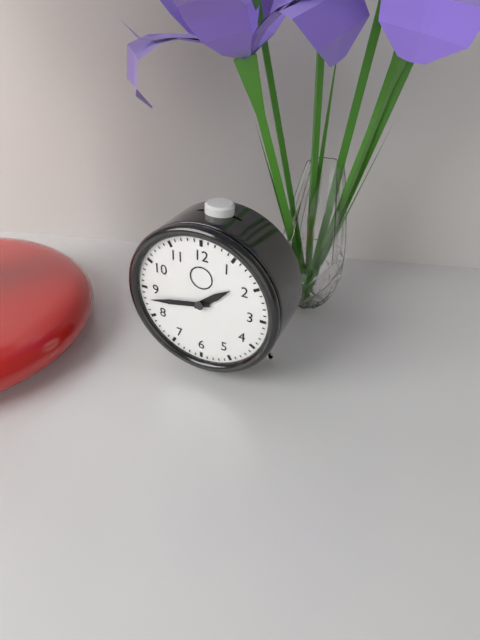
1:43
